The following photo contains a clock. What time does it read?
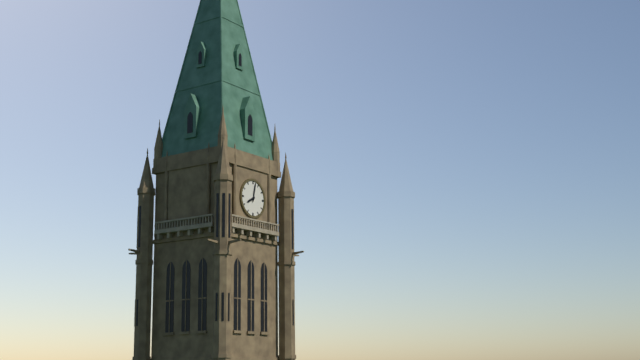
8:02
